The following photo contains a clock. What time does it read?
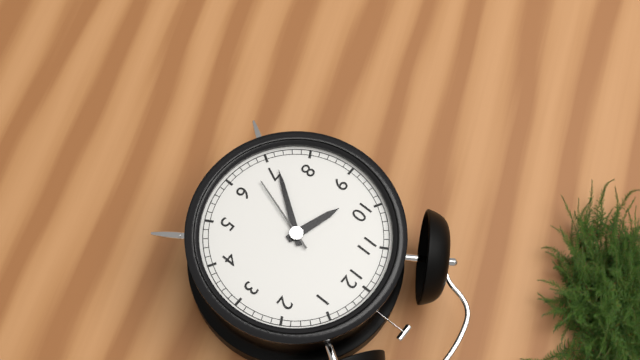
9:36:33
